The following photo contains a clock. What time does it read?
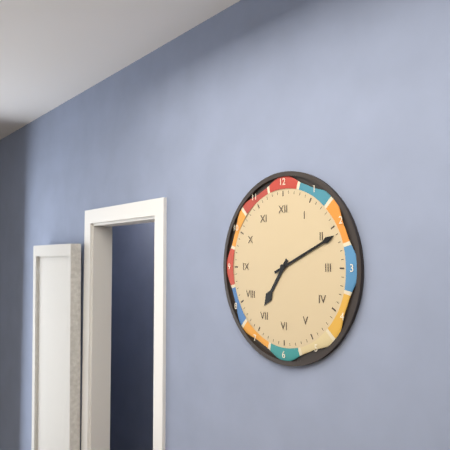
7:11
